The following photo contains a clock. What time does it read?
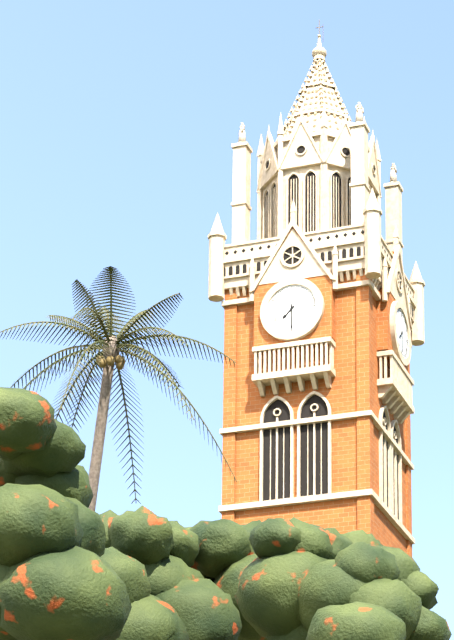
7:30
